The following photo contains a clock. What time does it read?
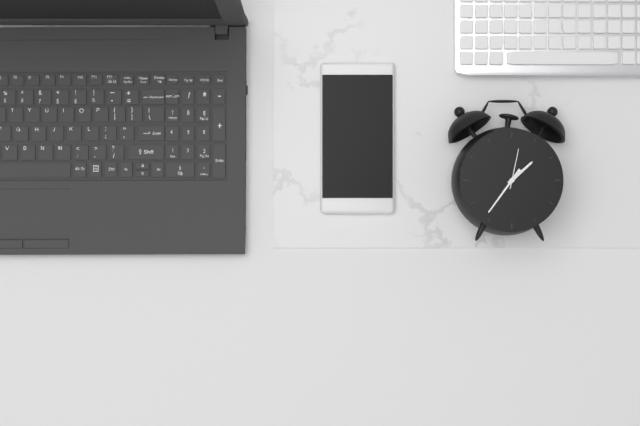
1:36
